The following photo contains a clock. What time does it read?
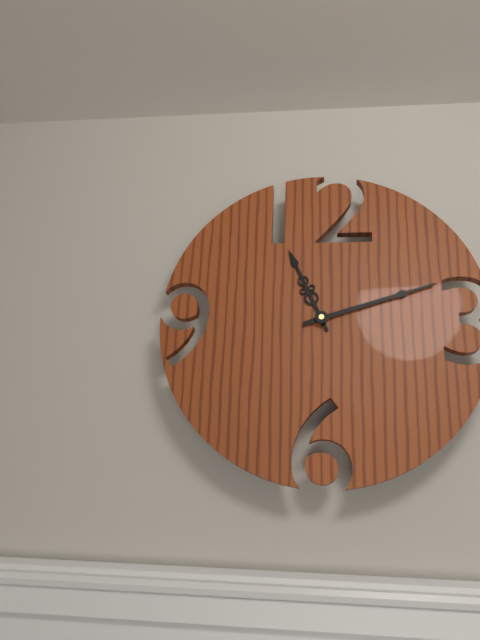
11:12
